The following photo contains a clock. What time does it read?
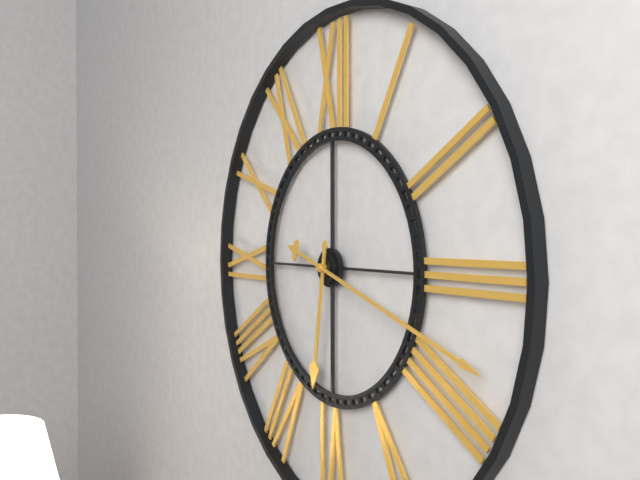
6:18
